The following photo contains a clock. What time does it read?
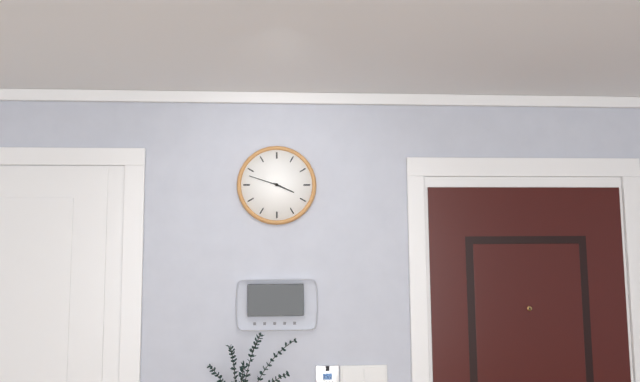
3:48
